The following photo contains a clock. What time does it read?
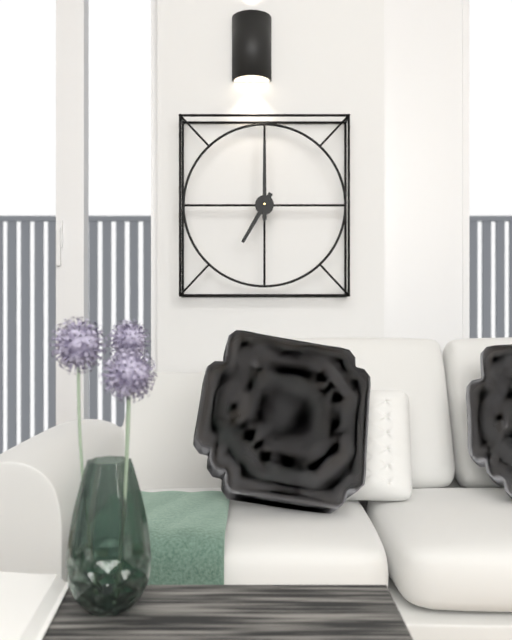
7:00
